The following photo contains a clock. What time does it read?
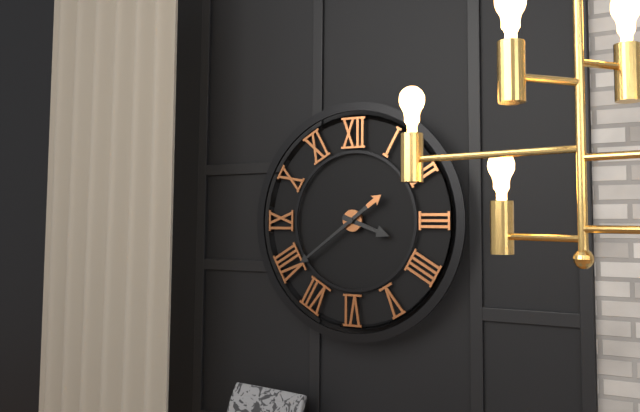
3:39
